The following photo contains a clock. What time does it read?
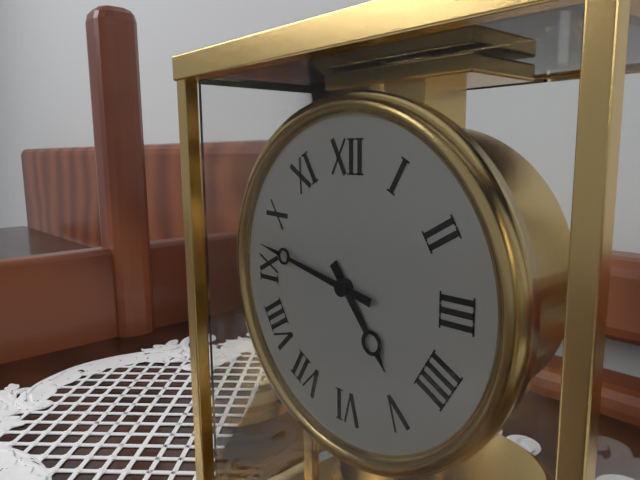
4:47
